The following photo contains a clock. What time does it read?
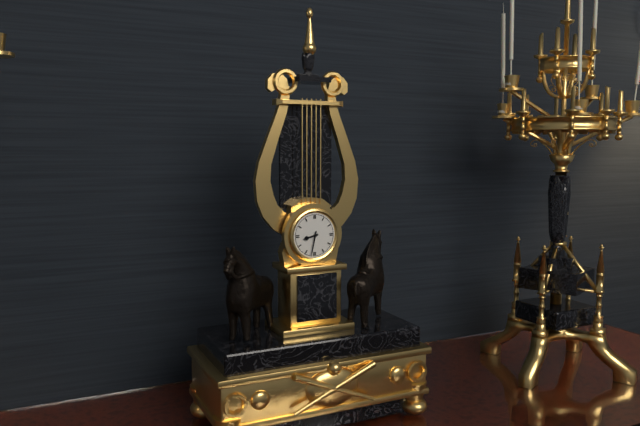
8:32
